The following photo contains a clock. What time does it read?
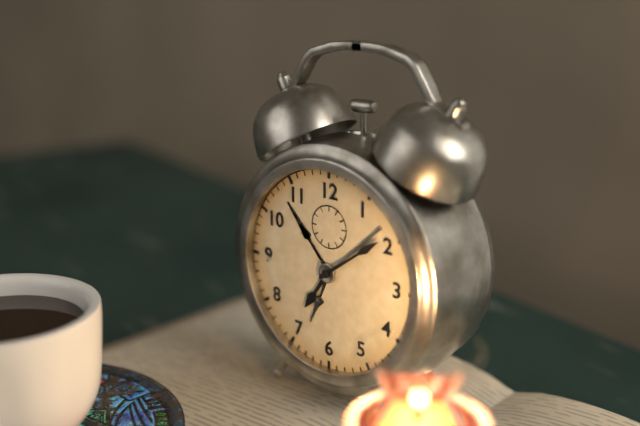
7:09
